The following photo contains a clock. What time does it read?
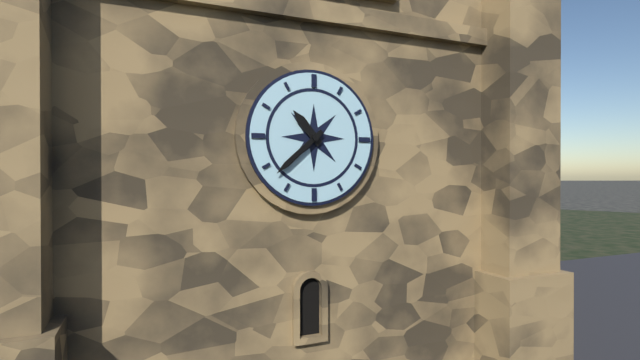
10:38
